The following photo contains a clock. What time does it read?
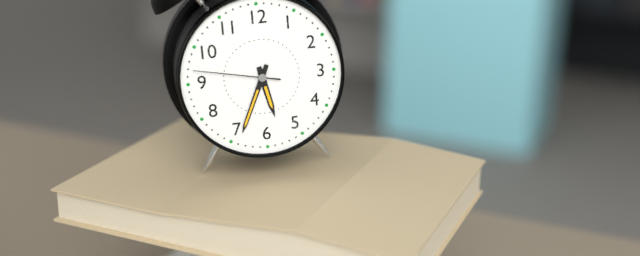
5:34:47
